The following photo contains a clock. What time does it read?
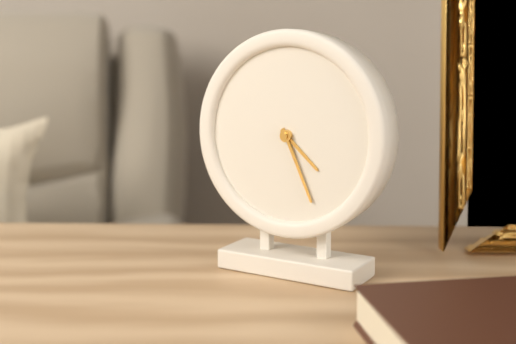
4:26
